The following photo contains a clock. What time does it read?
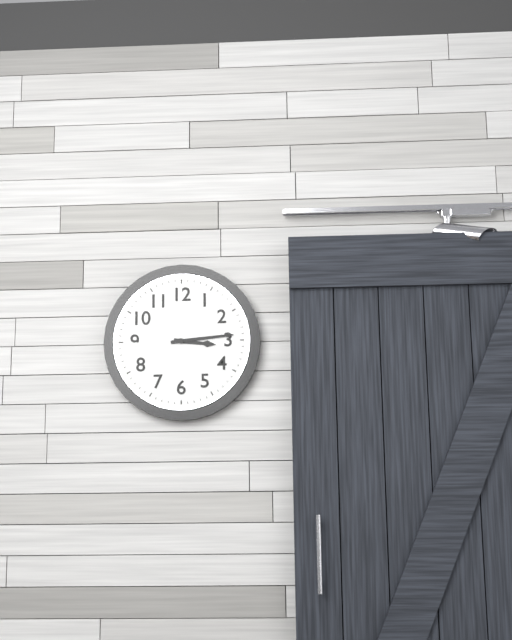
3:14
